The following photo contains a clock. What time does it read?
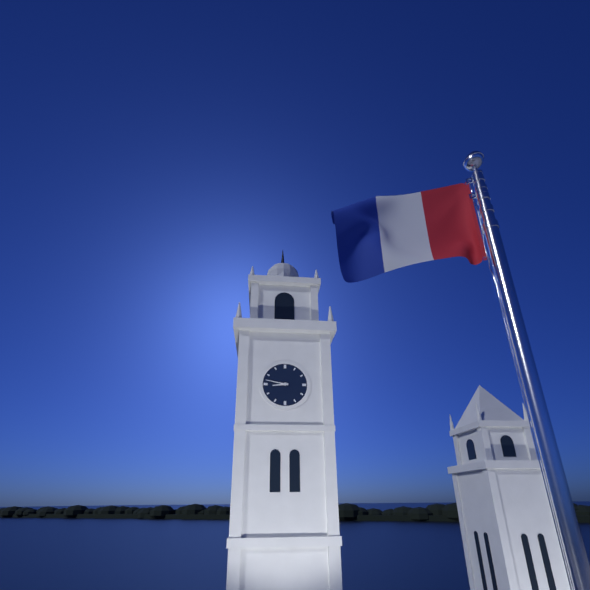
8:47
